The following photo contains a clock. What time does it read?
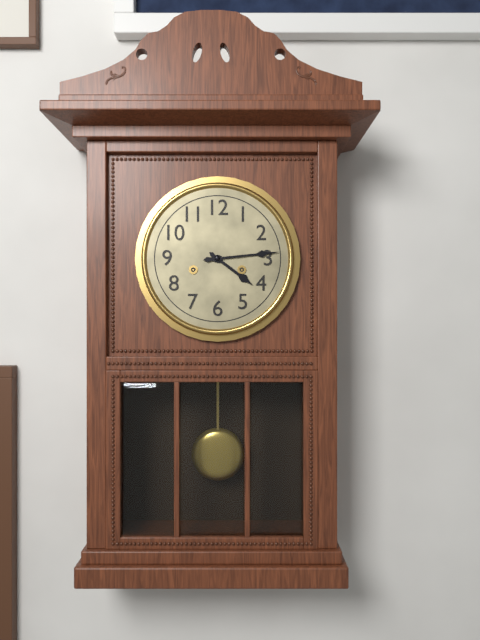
4:14
